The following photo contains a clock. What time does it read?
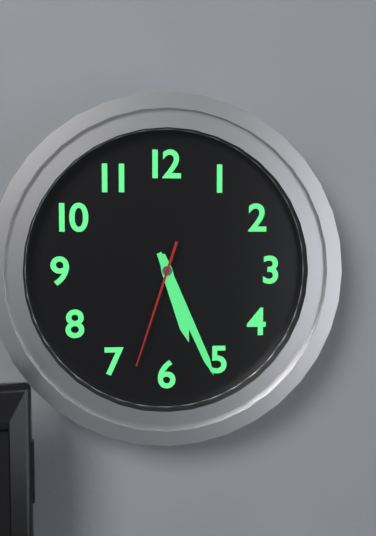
5:26:33
